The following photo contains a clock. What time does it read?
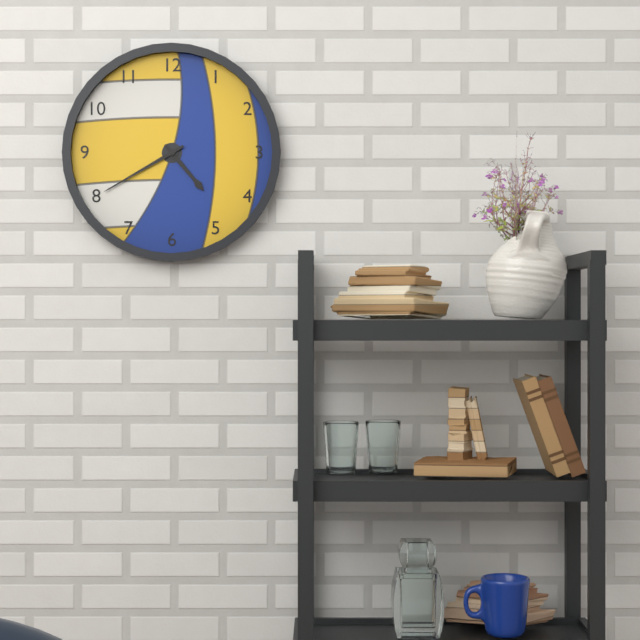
4:40
